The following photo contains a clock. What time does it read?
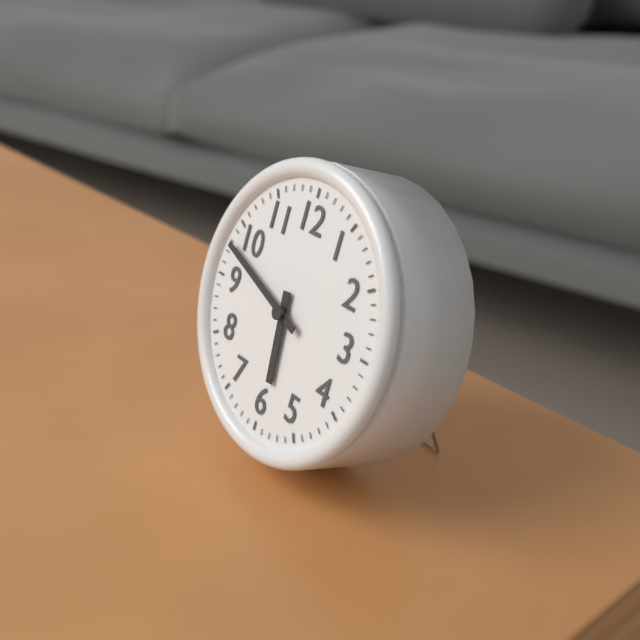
5:48
